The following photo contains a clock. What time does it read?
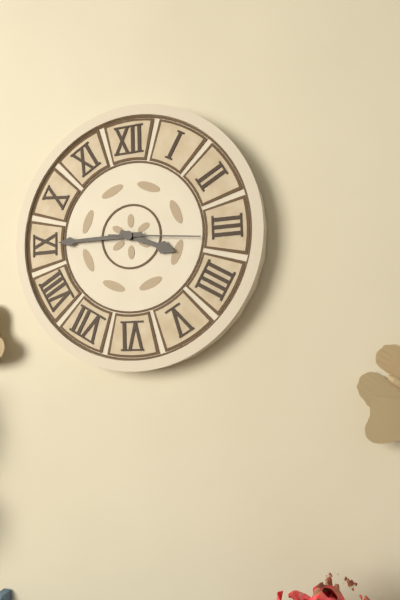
3:45:16
